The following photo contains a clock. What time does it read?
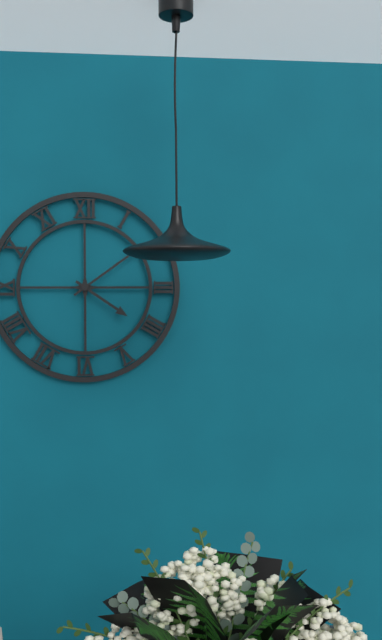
4:09
